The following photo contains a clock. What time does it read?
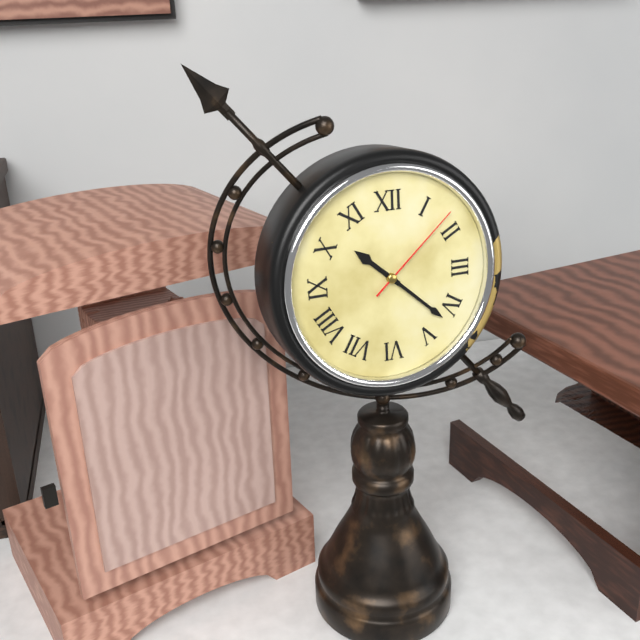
10:22:08
